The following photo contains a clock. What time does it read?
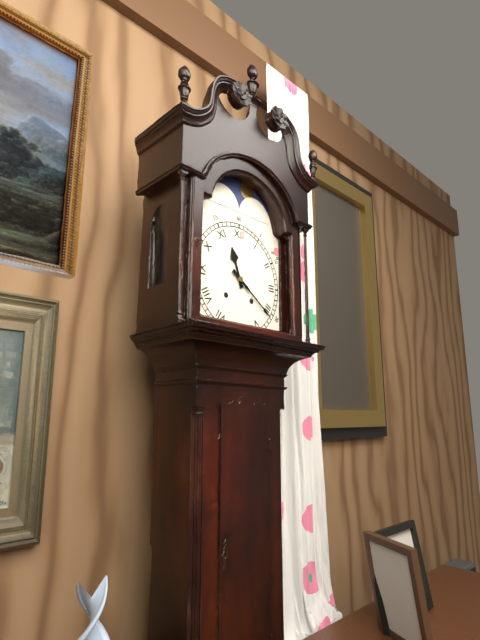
11:21
